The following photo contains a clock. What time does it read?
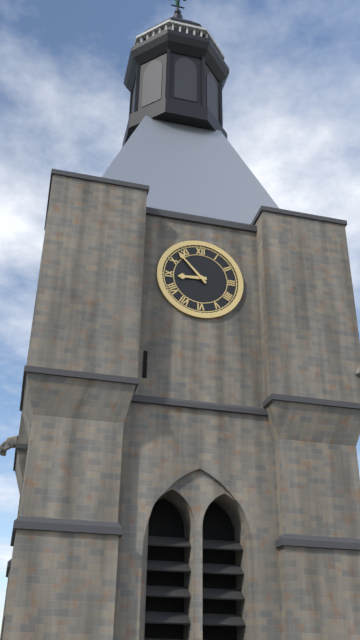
8:53
